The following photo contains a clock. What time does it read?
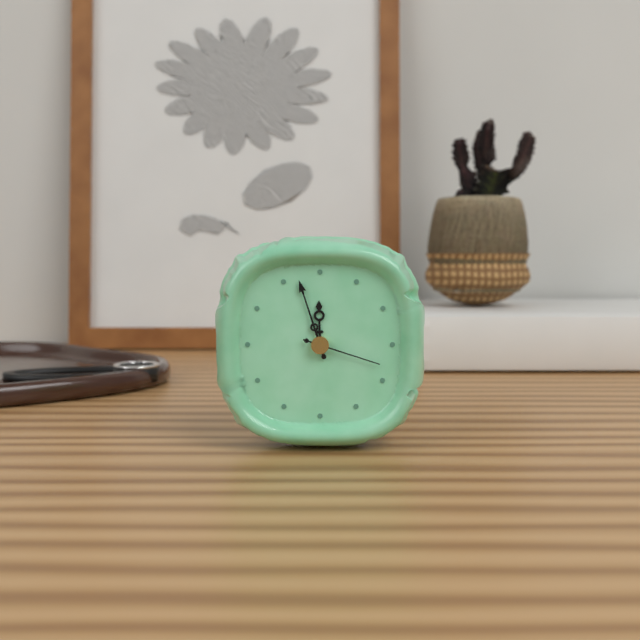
11:57:18
